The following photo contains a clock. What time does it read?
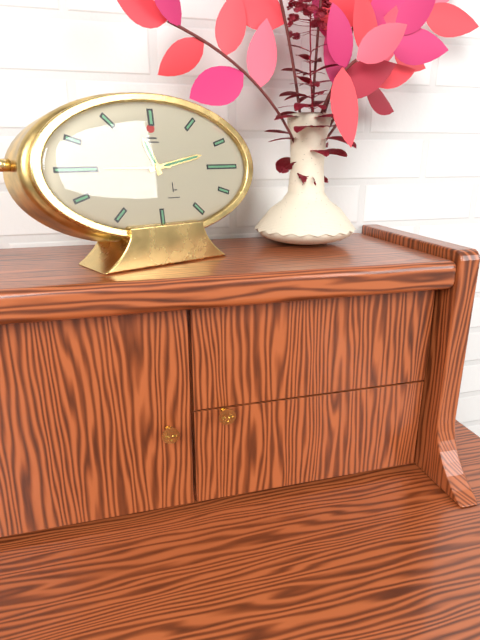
11:13:45
